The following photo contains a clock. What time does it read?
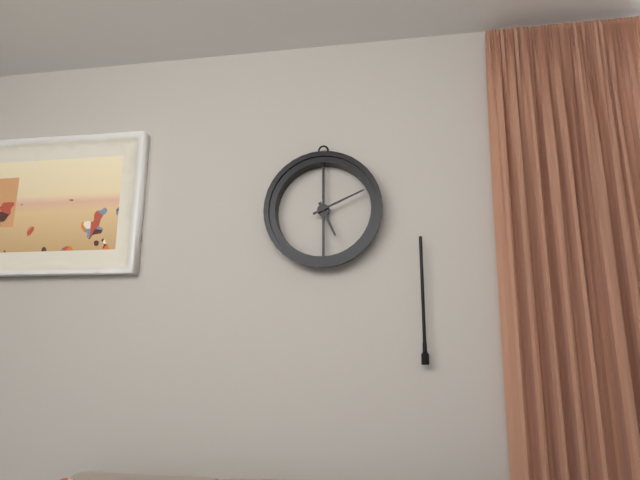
5:11
